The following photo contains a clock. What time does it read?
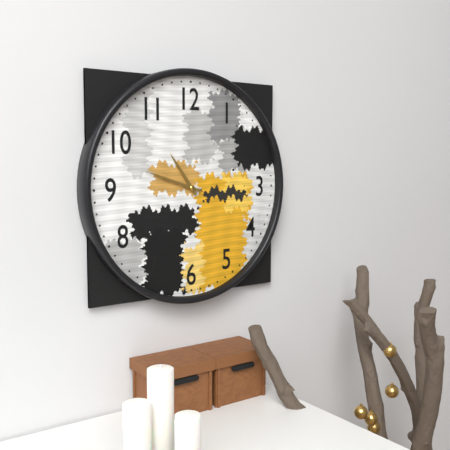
10:48
